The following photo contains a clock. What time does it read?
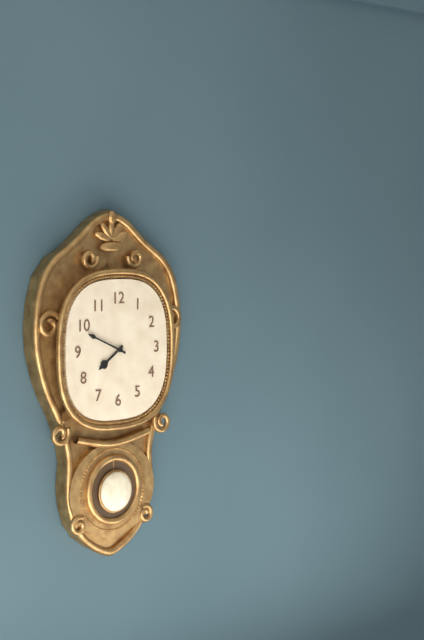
7:49
